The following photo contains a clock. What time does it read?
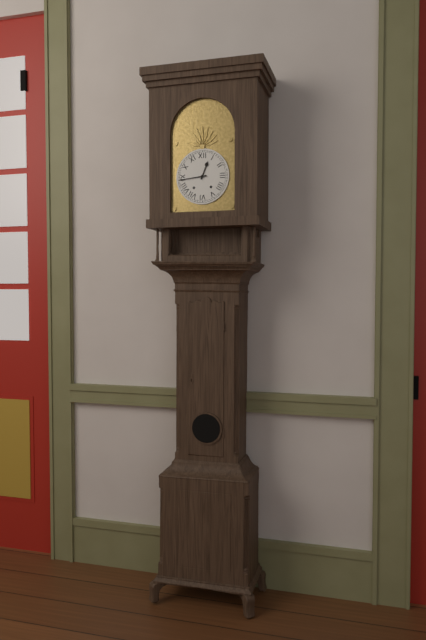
12:44
